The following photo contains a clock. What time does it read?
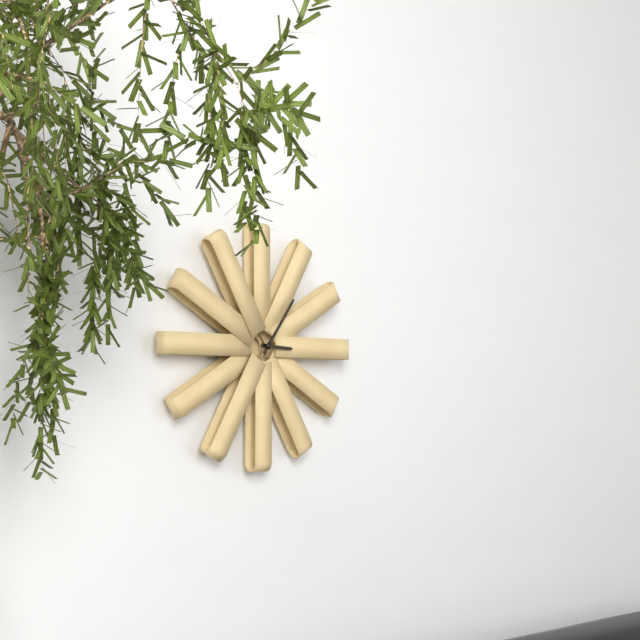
3:06
